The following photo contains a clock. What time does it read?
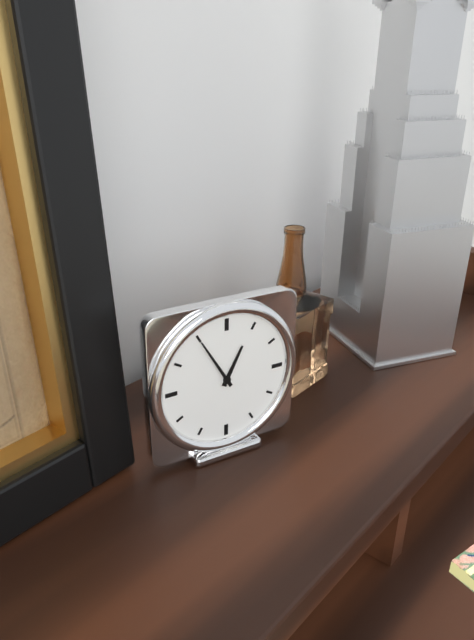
12:55
